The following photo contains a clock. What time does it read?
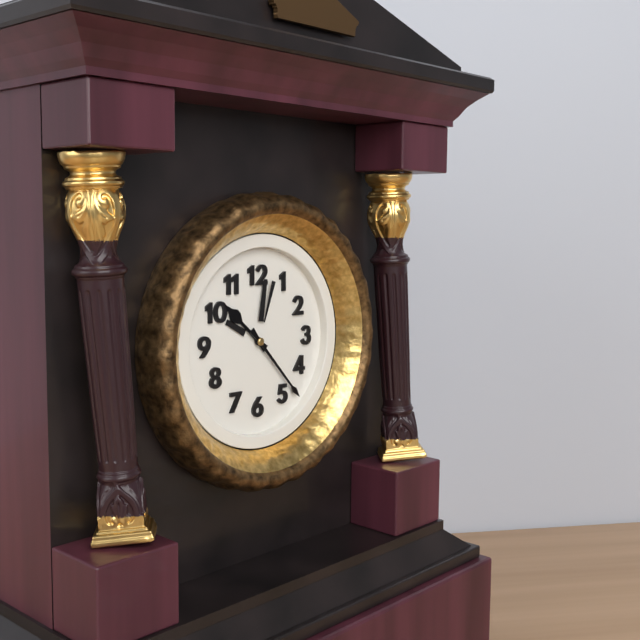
10:23
